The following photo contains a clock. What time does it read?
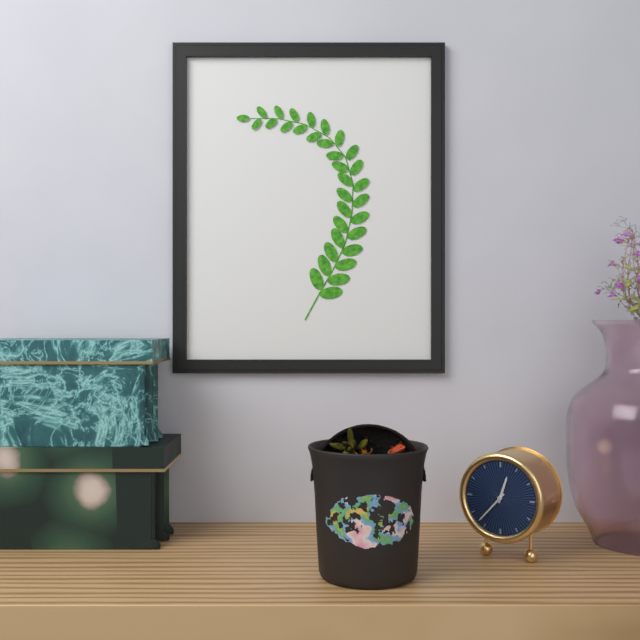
12:37
